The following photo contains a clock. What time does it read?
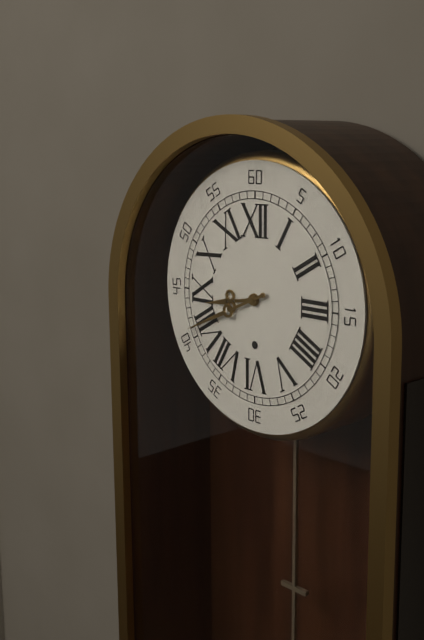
8:41
